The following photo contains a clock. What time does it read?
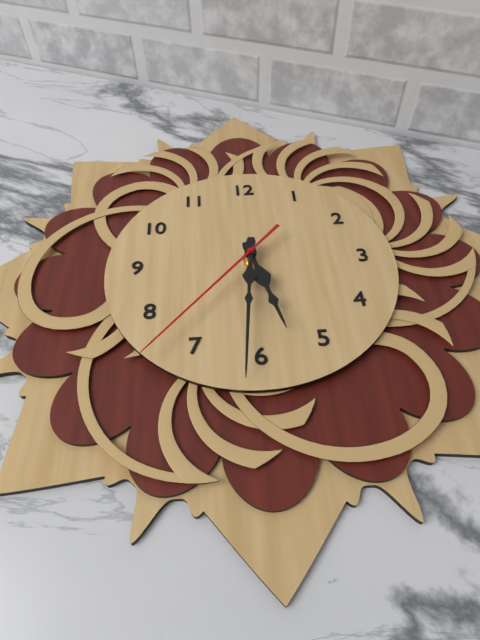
5:31:37
